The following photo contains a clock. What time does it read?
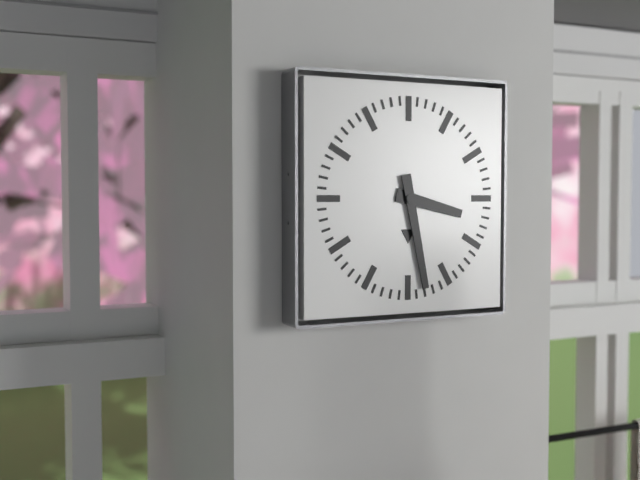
3:28
